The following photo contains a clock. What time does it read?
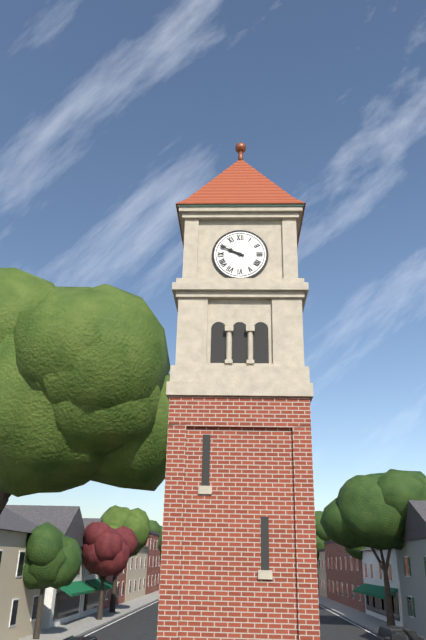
9:49
